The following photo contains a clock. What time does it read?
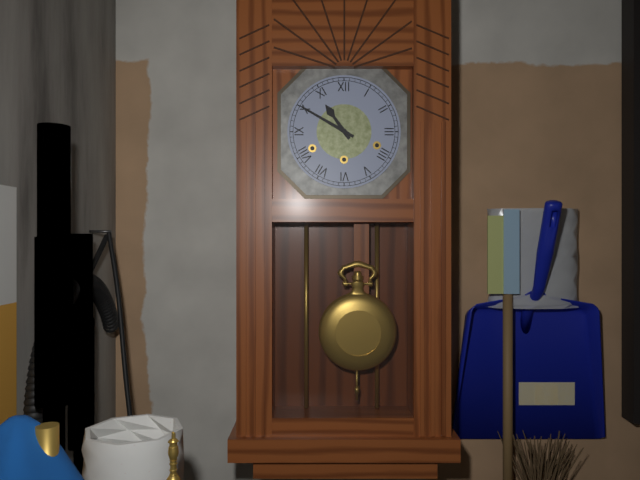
10:50
